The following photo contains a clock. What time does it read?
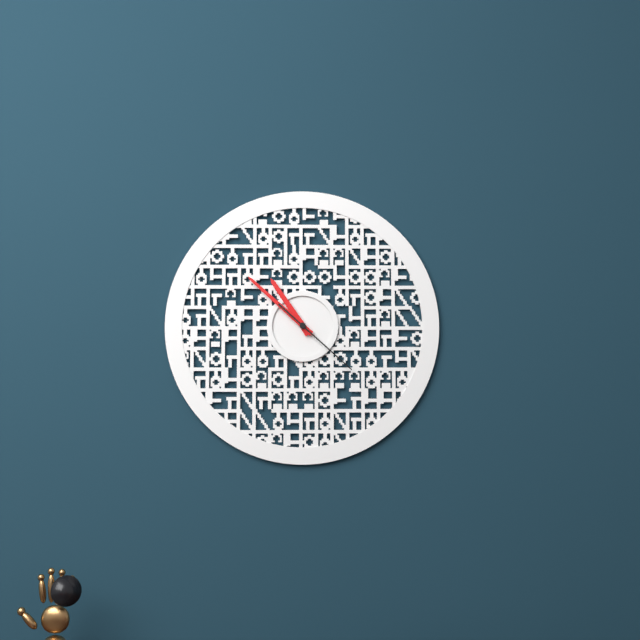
10:52:22
